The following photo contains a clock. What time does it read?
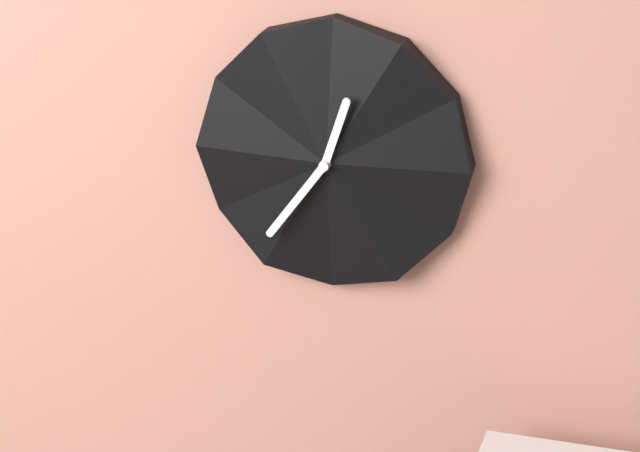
12:36
